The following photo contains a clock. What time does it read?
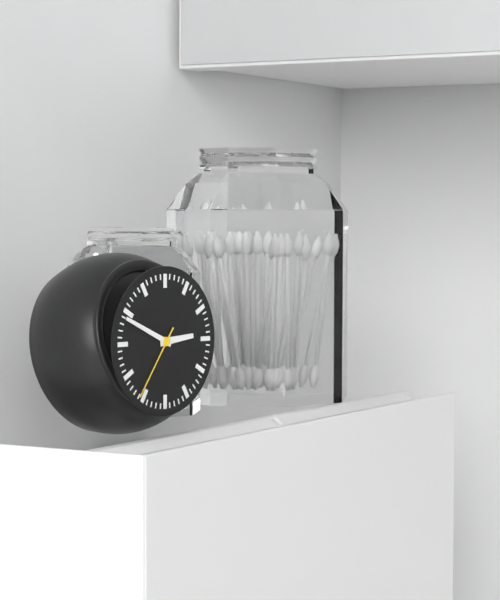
2:49:36
